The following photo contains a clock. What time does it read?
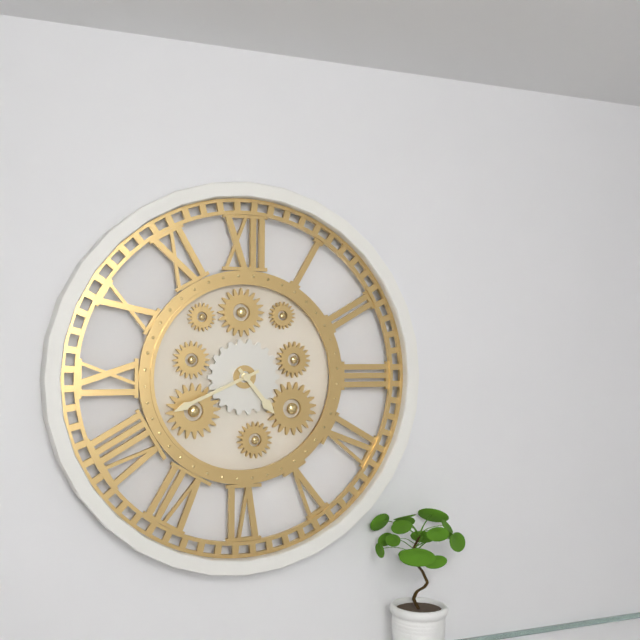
4:41
